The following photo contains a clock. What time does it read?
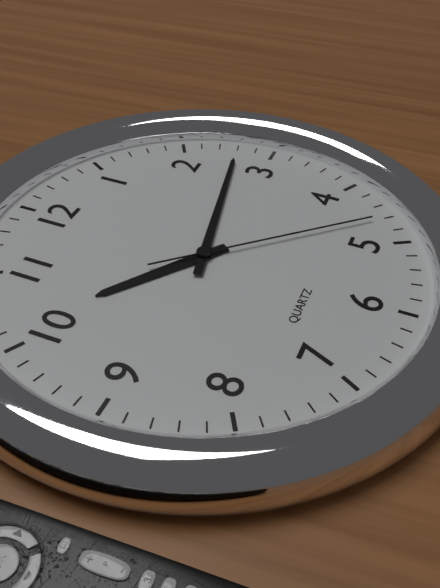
10:13:23
